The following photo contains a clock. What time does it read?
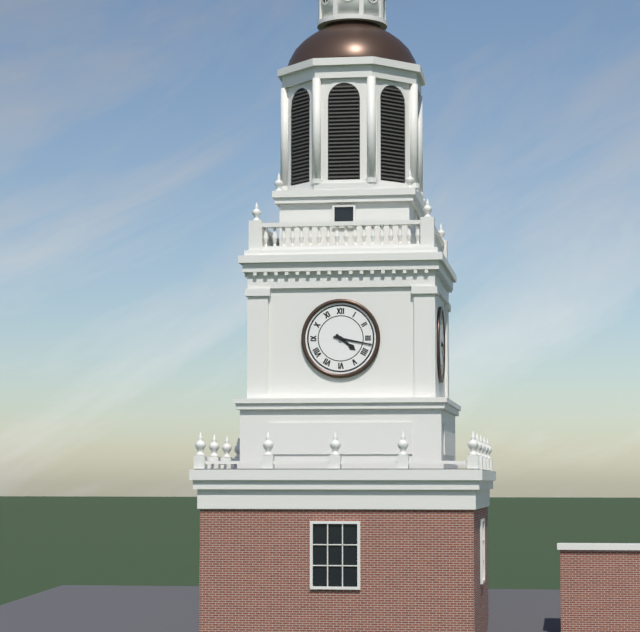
4:17
